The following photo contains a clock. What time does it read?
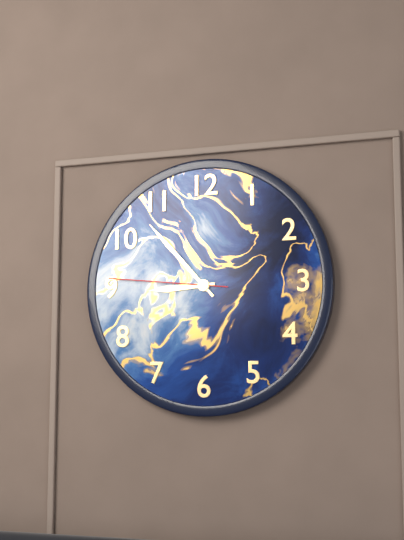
8:53:46
